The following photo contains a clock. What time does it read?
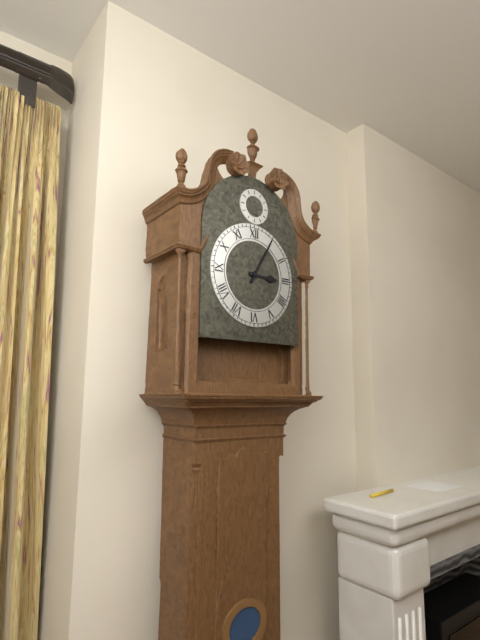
3:05
